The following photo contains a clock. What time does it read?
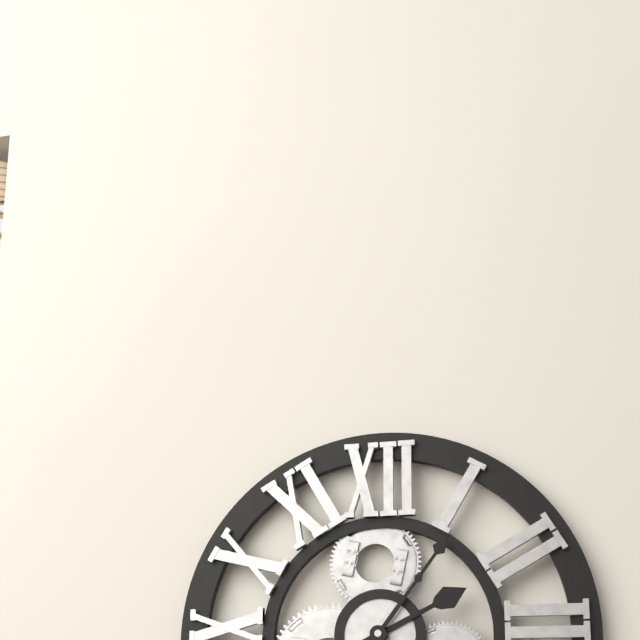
2:06
